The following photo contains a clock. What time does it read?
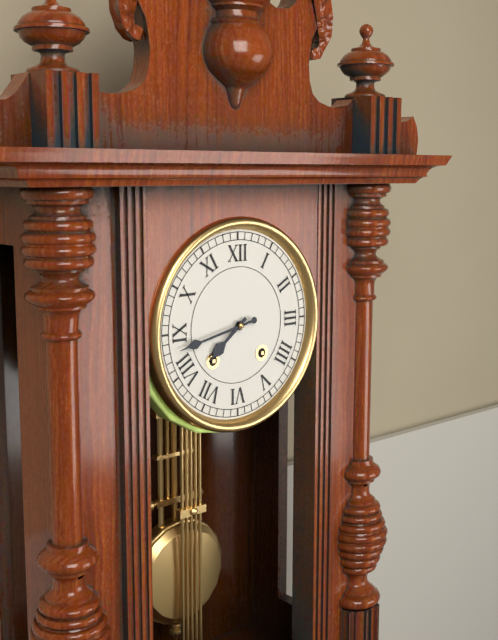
7:43
